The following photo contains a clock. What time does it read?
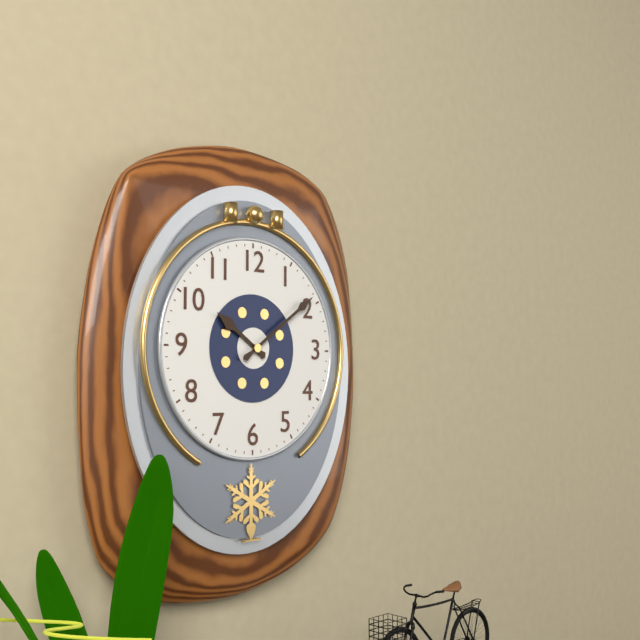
10:09
